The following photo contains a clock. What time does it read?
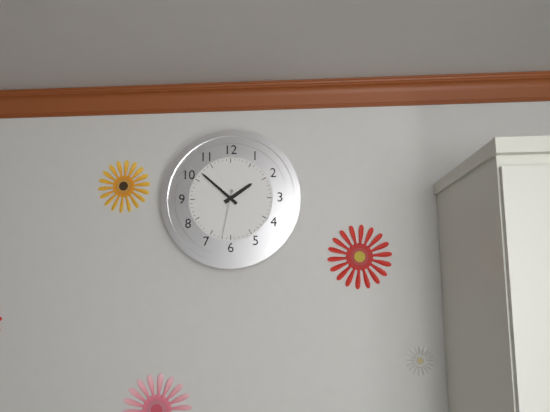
1:52:32
